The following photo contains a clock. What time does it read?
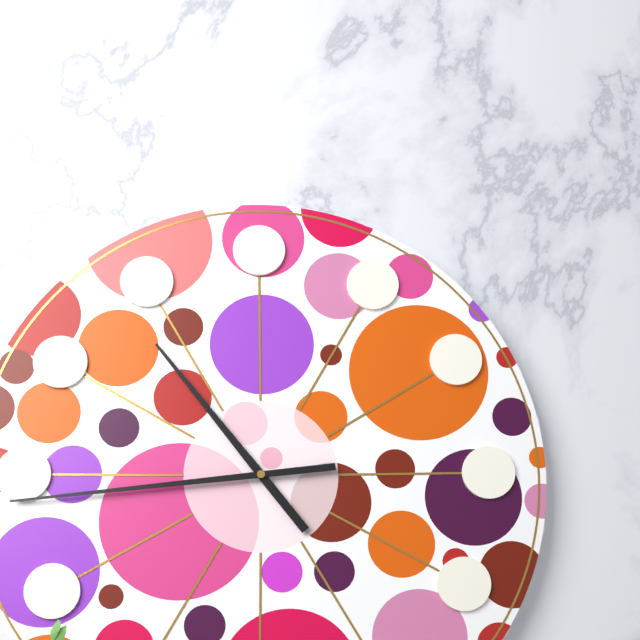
10:44
